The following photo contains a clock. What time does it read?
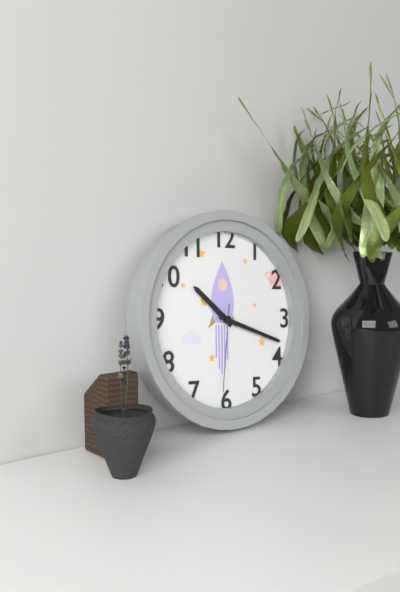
10:18:31
